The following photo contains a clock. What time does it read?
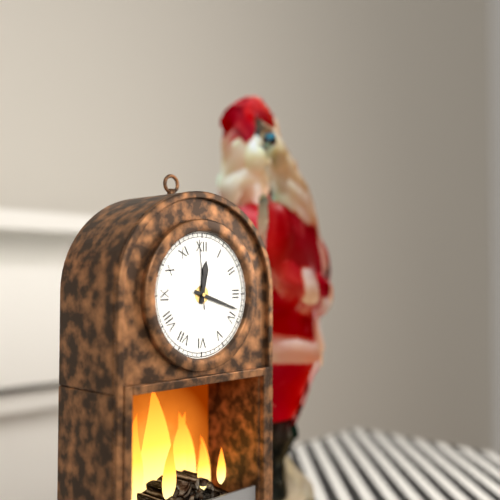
12:18:59
